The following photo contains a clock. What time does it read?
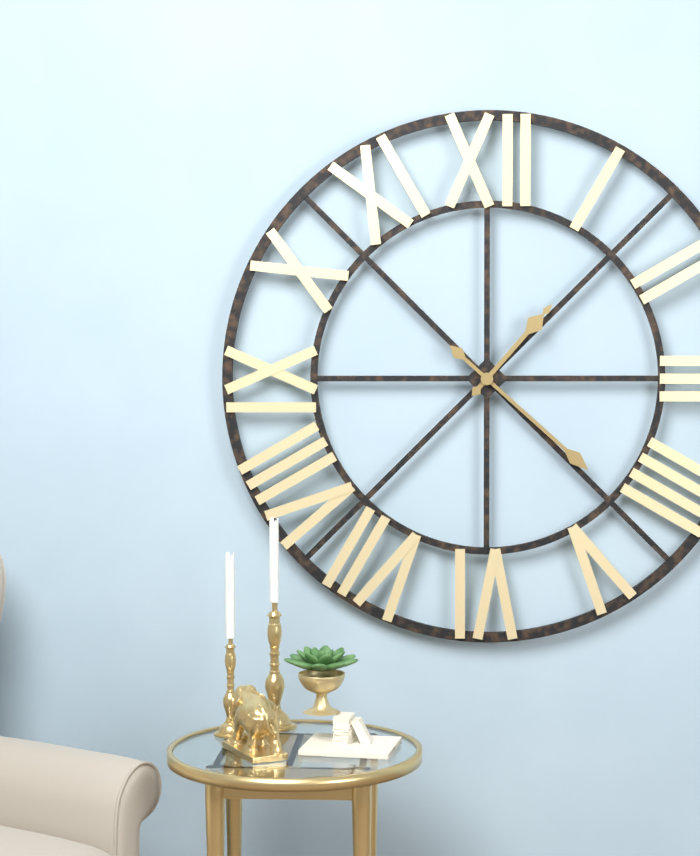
1:22
